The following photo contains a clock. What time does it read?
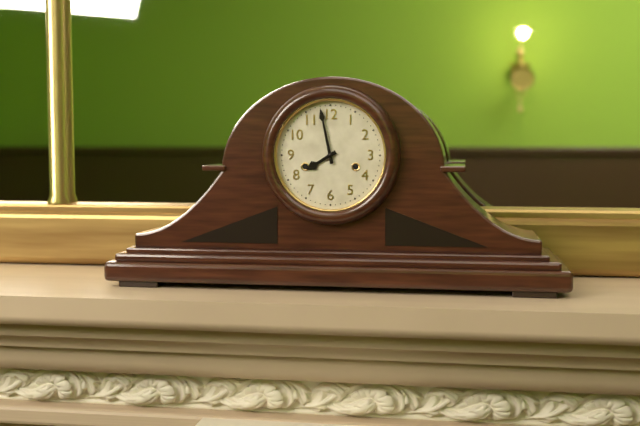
7:58
